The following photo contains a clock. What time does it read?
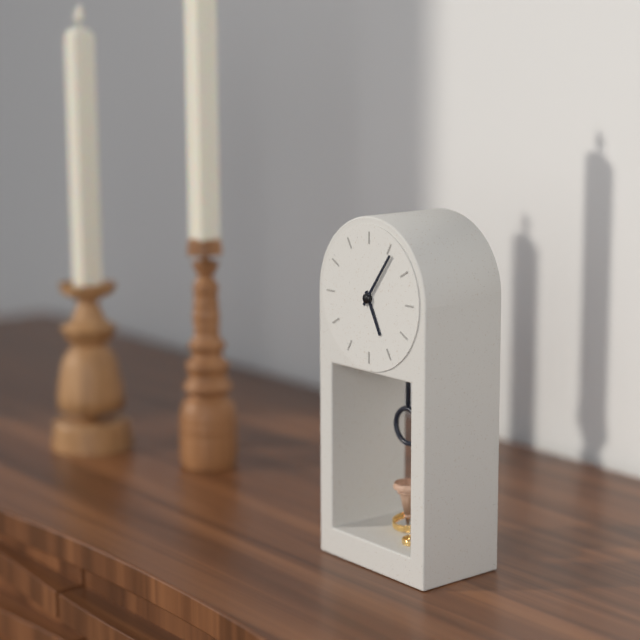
5:06
